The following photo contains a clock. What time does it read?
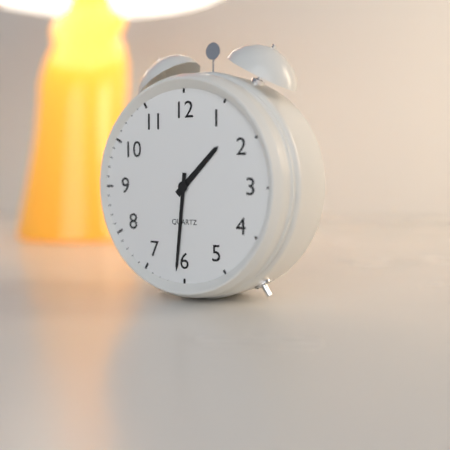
1:31
